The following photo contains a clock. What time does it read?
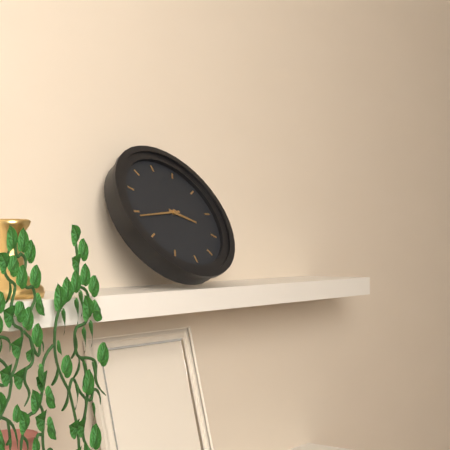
3:44
